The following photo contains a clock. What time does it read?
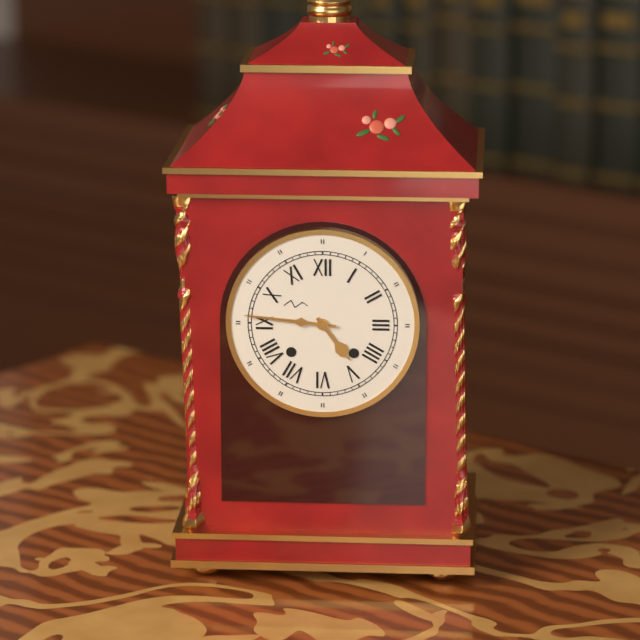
4:46
